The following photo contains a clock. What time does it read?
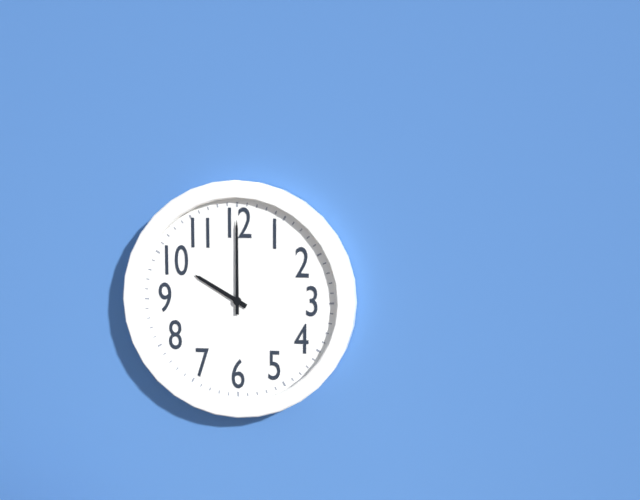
10:00
